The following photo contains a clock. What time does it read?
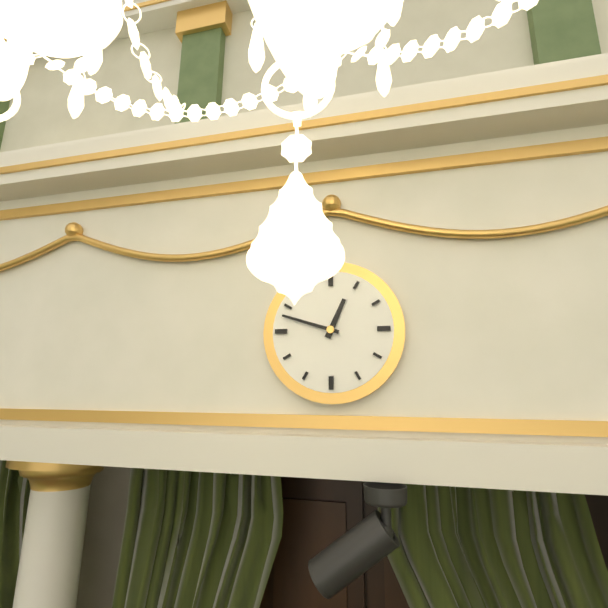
12:48
